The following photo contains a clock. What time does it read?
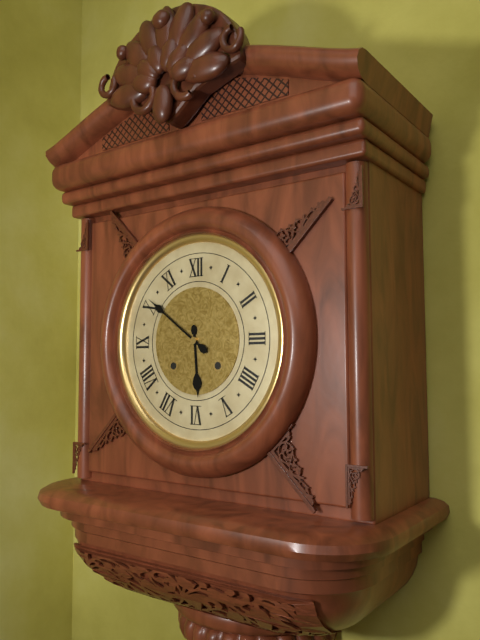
5:51
